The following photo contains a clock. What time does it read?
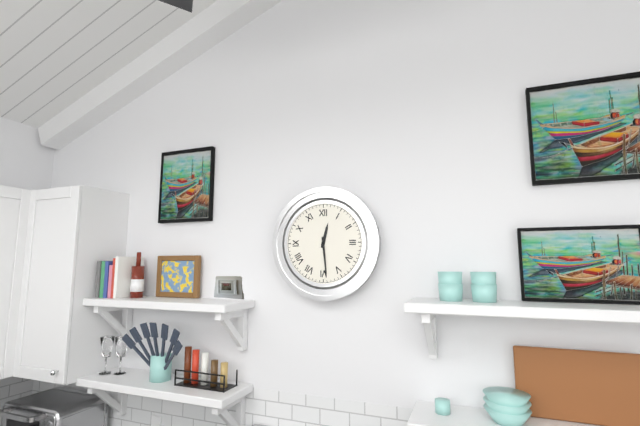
12:29
